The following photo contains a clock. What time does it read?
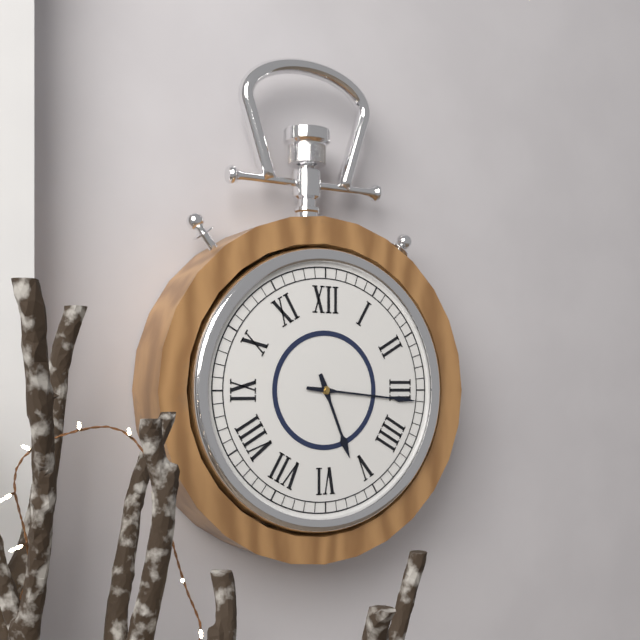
5:16
